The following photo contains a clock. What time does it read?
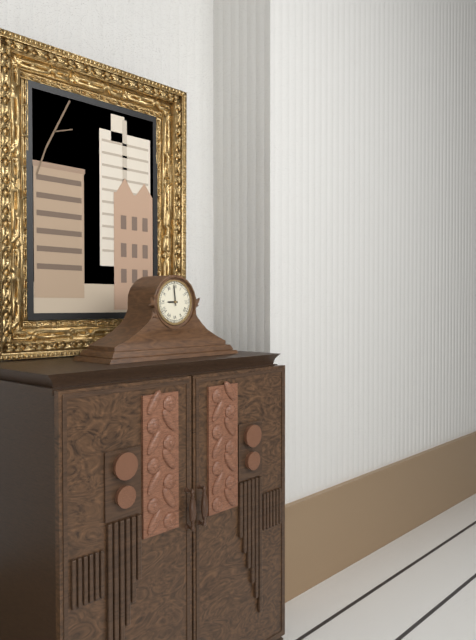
8:59
